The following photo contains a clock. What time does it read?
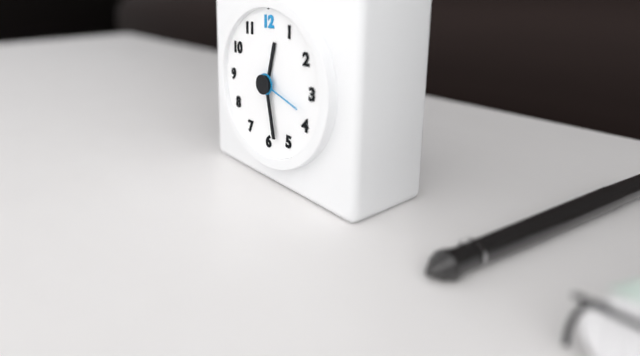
12:28:18
